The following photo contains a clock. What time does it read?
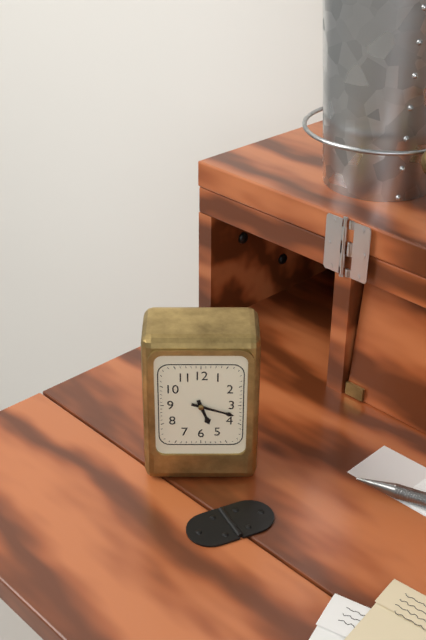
5:18
